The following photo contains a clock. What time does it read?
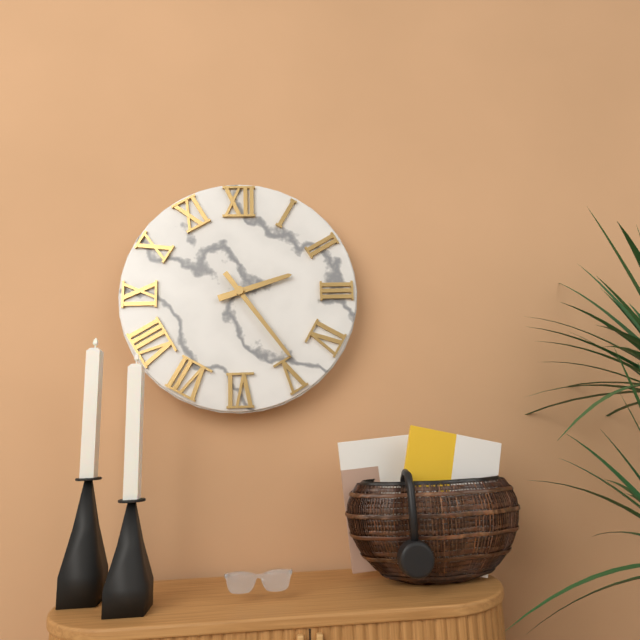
2:24
